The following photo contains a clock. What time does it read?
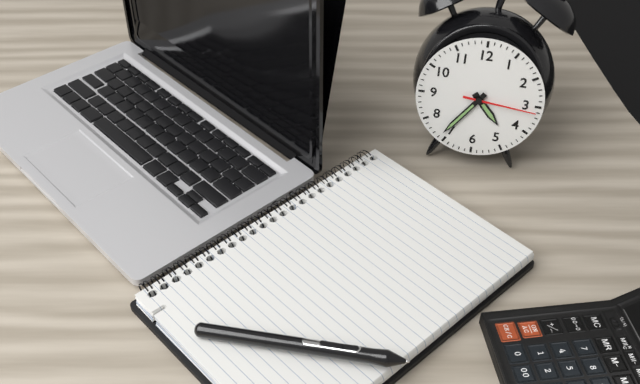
4:36:16
